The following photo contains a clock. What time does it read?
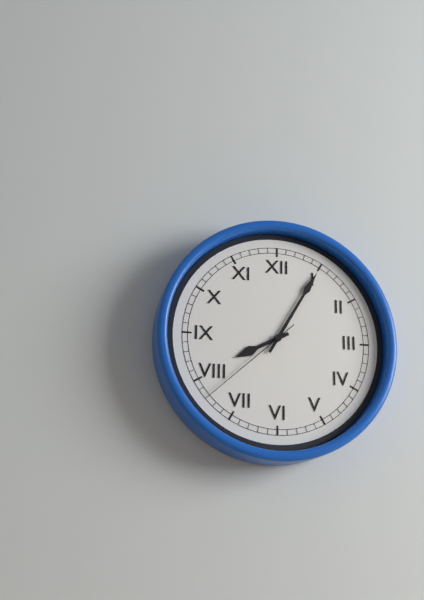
8:05:38
